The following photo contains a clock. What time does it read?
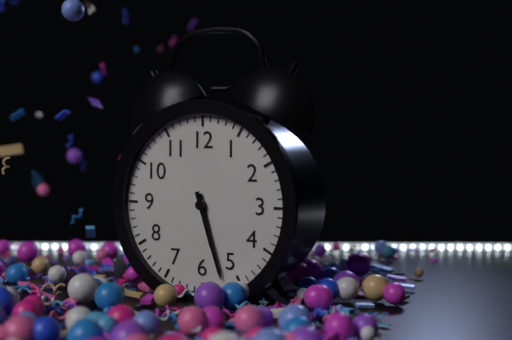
5:27
